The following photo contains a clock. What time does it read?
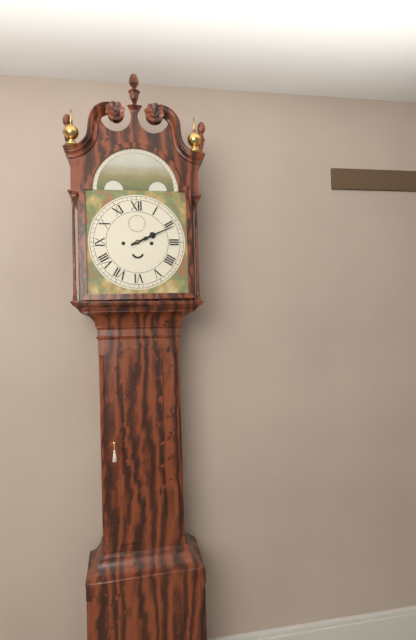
2:11
